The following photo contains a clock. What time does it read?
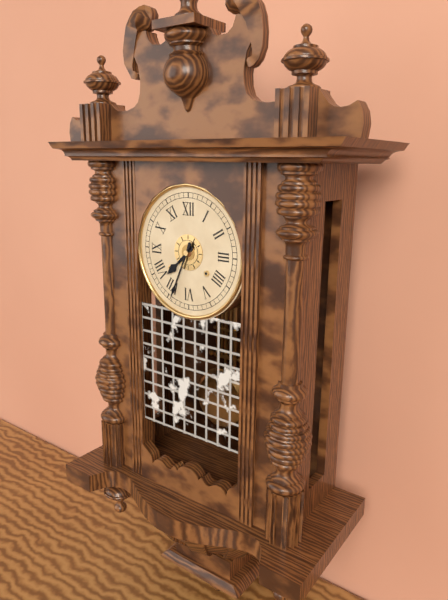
7:34
